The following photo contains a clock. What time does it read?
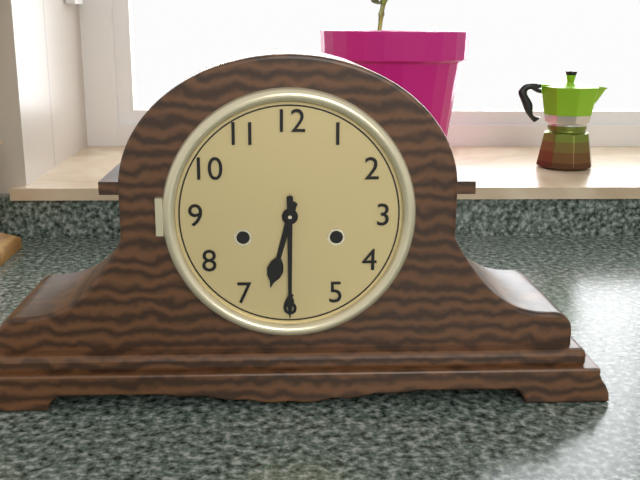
6:30
